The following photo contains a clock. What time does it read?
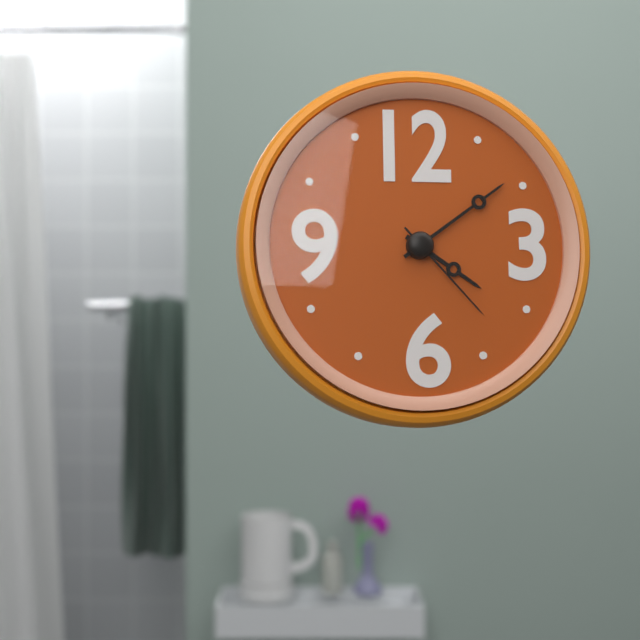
4:09:23
